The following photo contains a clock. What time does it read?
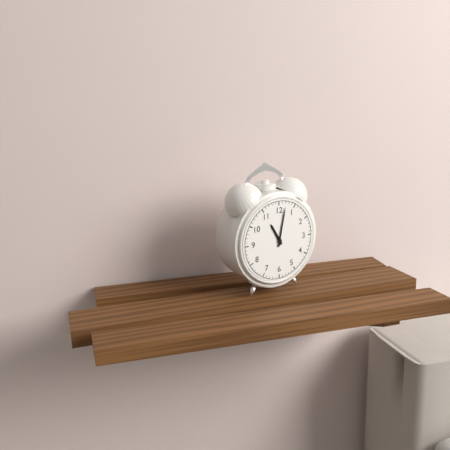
11:02
